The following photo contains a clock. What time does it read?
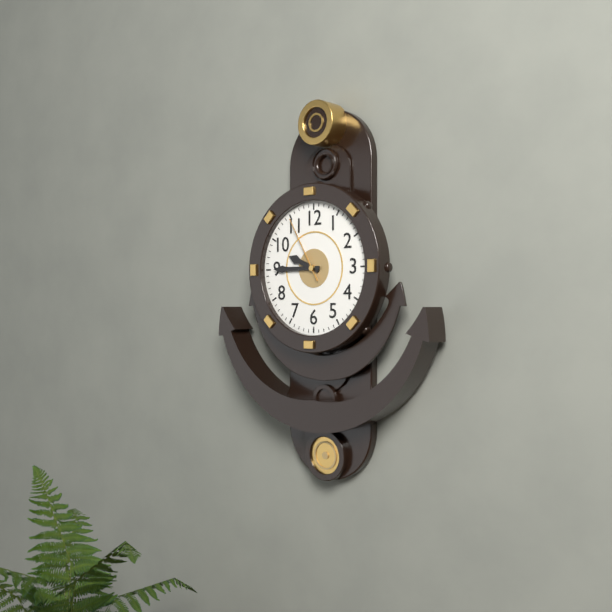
9:45:55
